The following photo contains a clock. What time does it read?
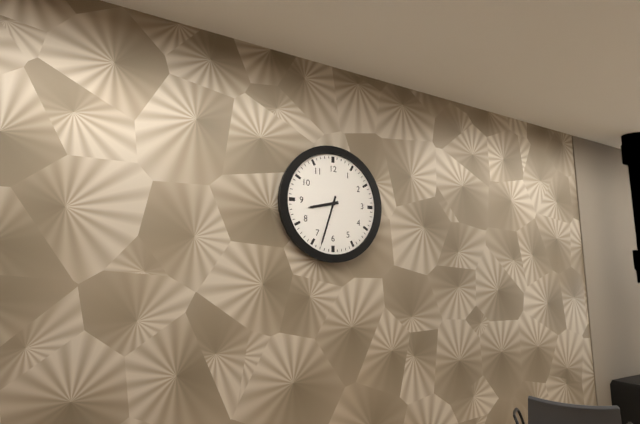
8:33
